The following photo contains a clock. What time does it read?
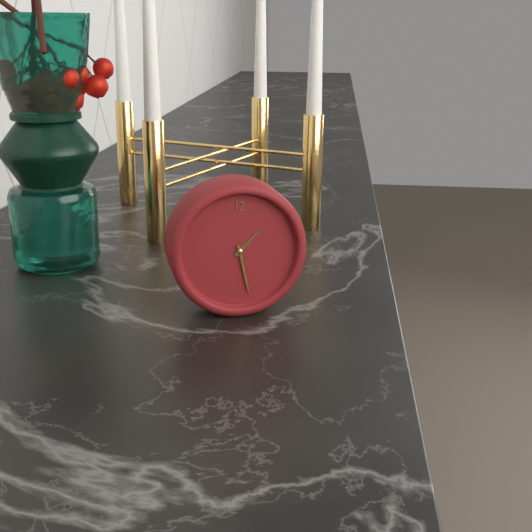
1:28
